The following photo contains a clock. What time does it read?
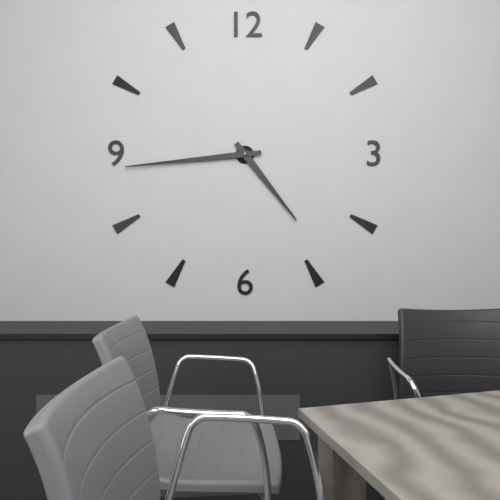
4:44
